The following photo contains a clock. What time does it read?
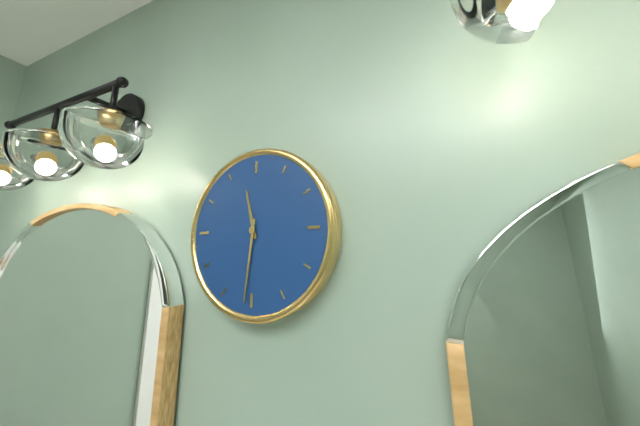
11:31
